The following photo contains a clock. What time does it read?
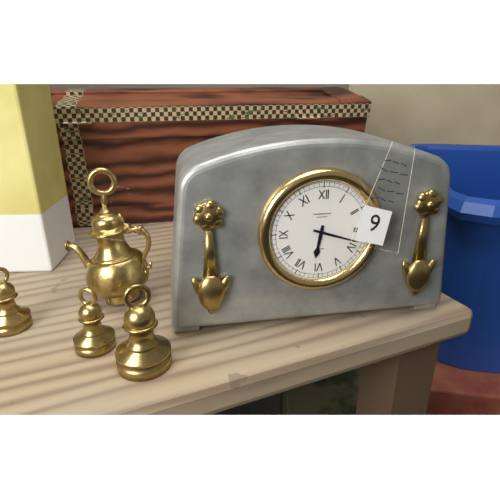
6:18
